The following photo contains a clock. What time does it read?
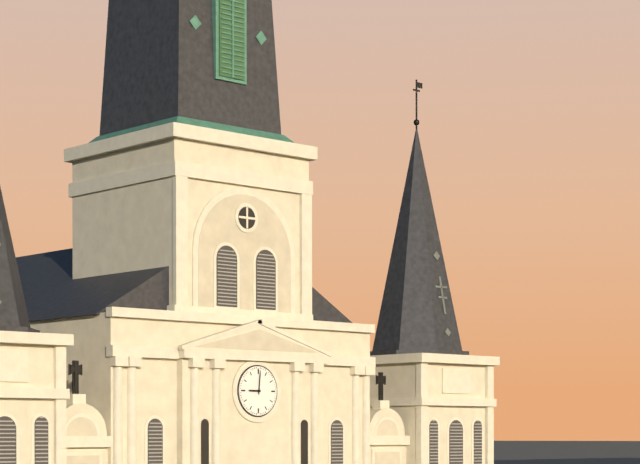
9:01
